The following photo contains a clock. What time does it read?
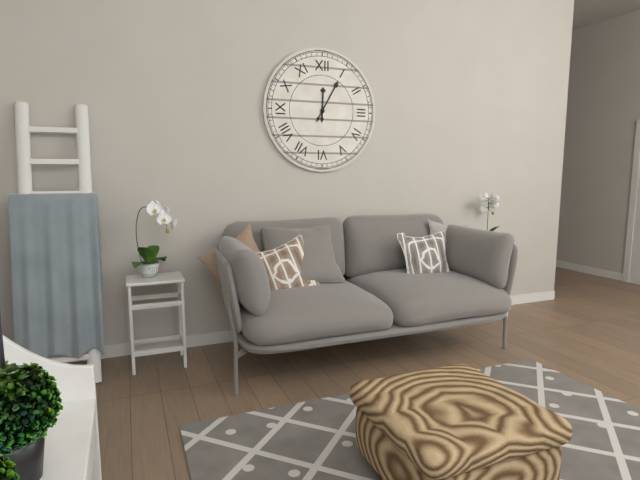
12:05
